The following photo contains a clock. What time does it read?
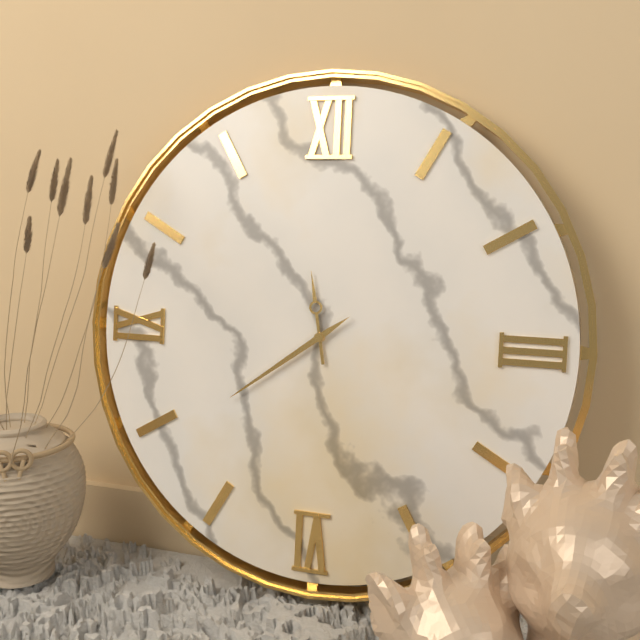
11:39
